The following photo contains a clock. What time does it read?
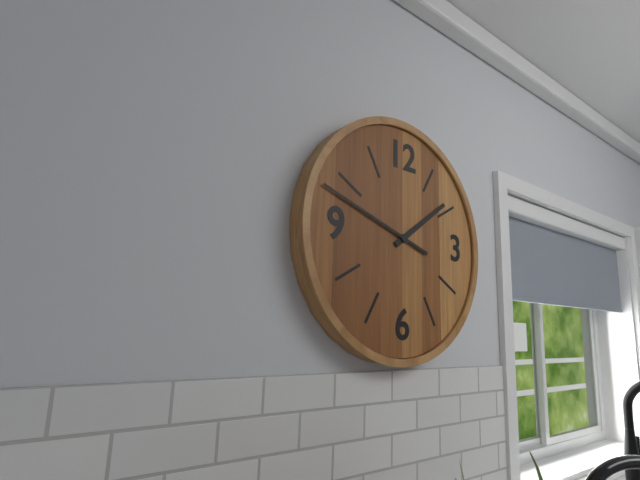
1:48
